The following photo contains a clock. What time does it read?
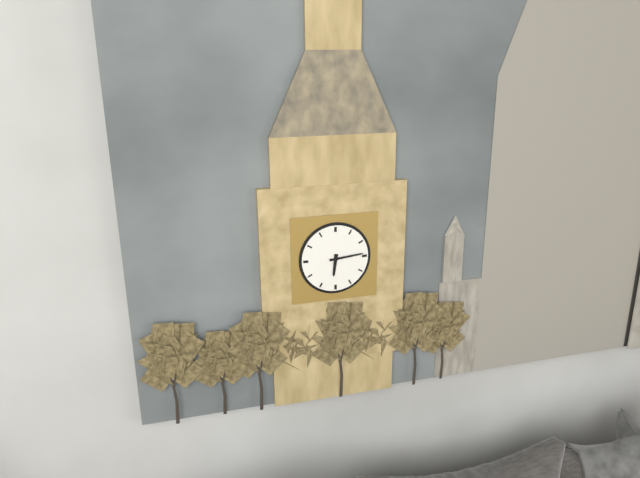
6:14
